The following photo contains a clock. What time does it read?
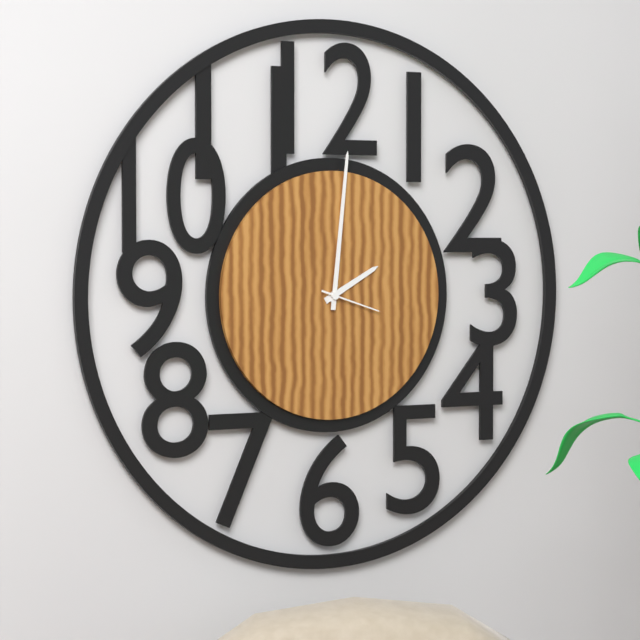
2:01:18
